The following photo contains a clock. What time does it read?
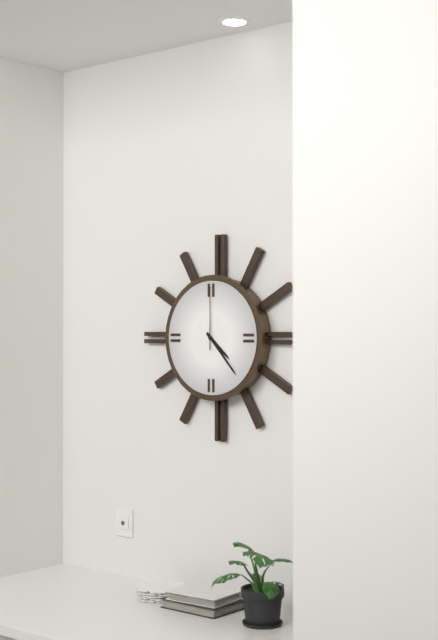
4:23:00
